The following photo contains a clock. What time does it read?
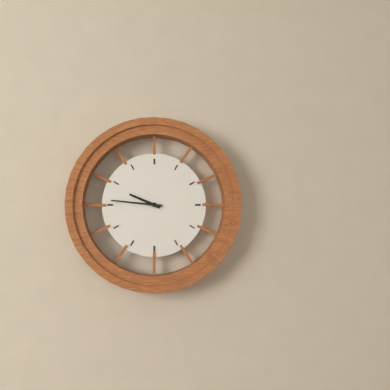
9:46
